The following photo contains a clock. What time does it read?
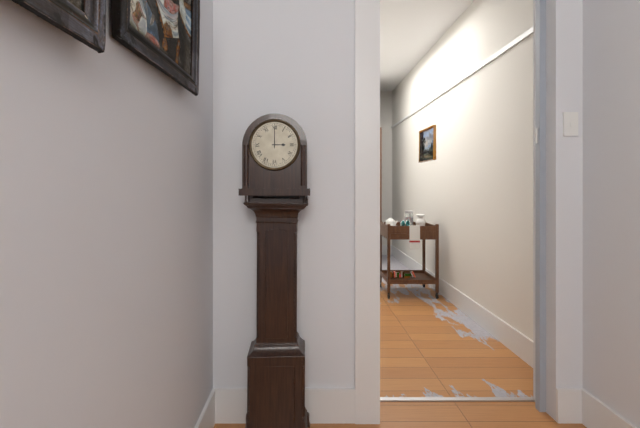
3:00
